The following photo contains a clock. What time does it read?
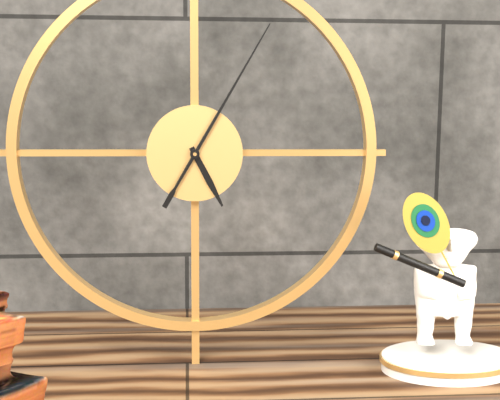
5:05
